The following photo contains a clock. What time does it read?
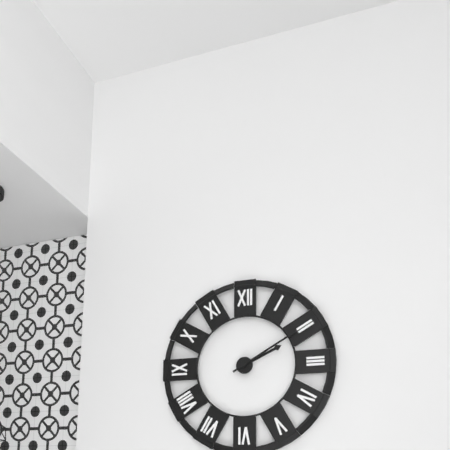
2:10
